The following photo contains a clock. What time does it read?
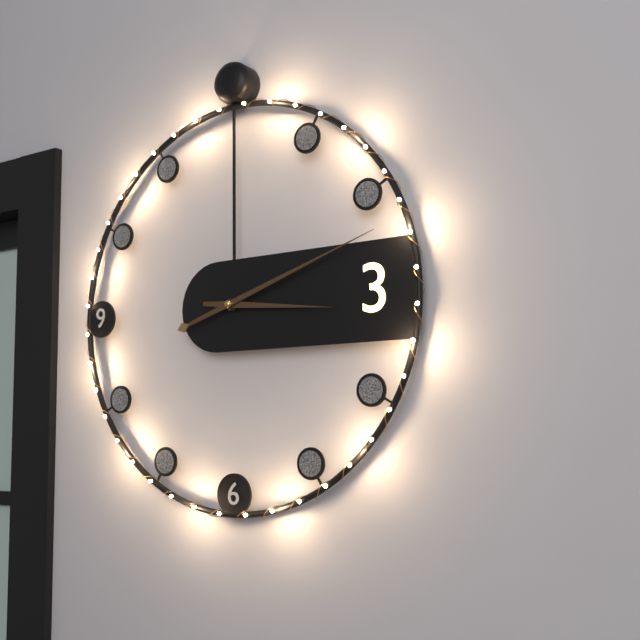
3:12
